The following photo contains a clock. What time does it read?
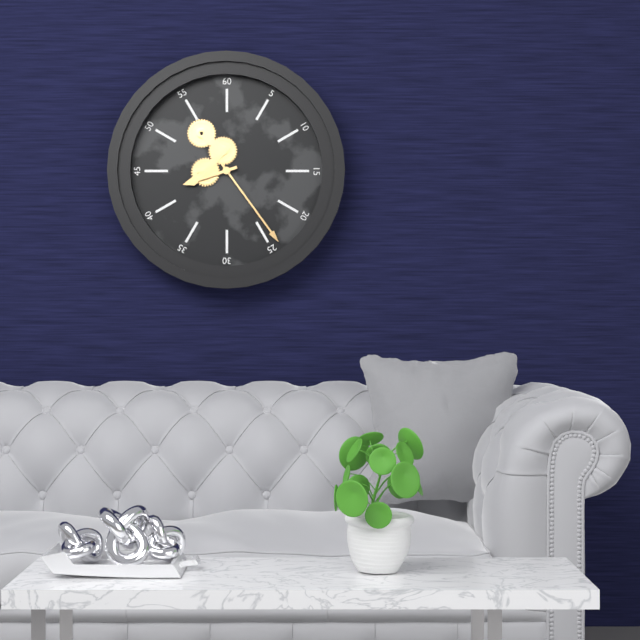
8:24
